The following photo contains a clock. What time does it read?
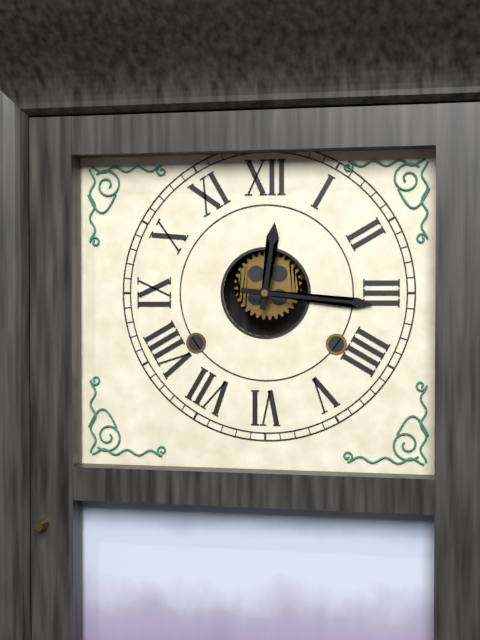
12:16
